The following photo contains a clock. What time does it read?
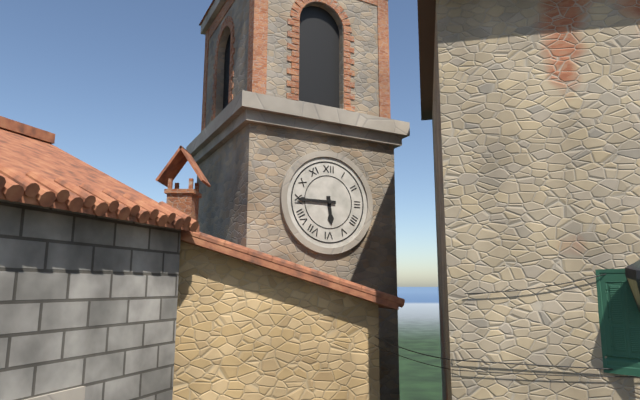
5:45
